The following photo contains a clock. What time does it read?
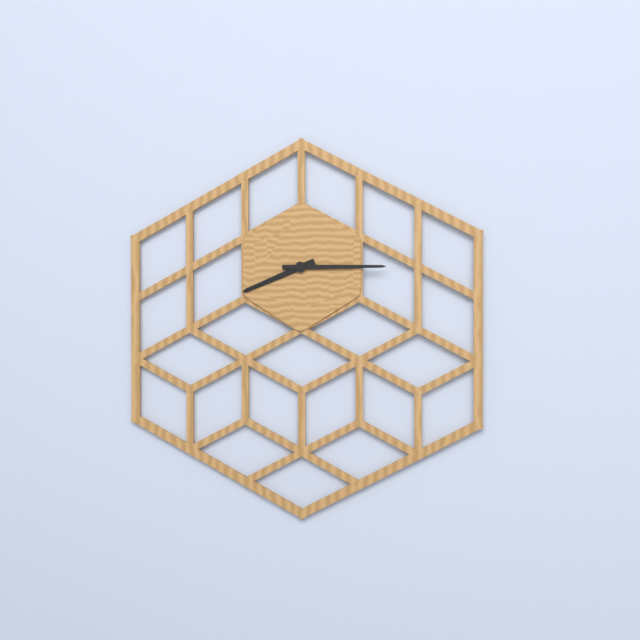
8:15
